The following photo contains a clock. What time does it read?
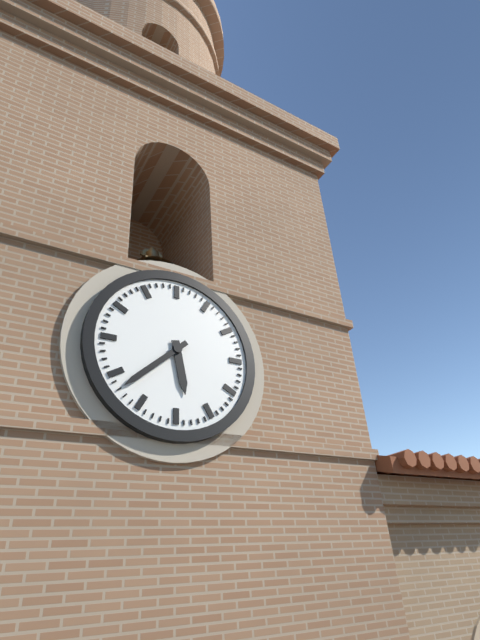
5:38
